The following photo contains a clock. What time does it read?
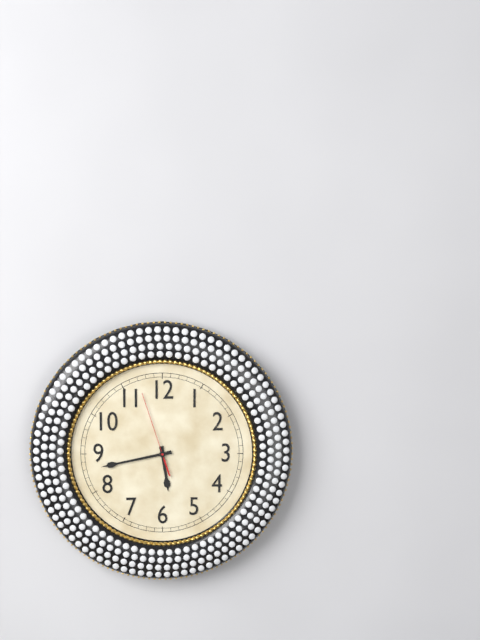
5:43:57
